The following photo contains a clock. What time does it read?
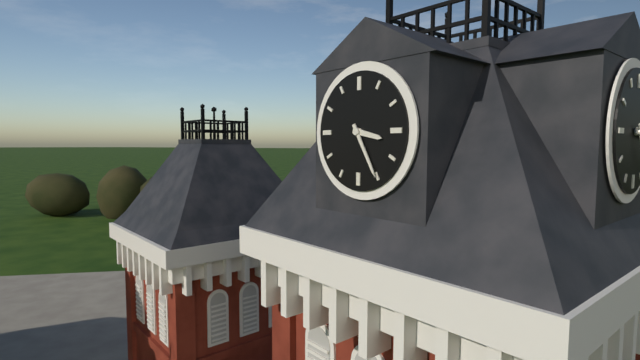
3:25
